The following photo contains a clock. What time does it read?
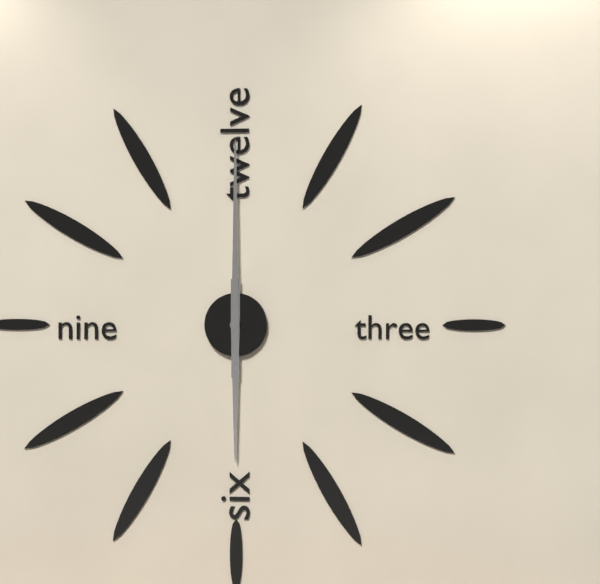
6:00
